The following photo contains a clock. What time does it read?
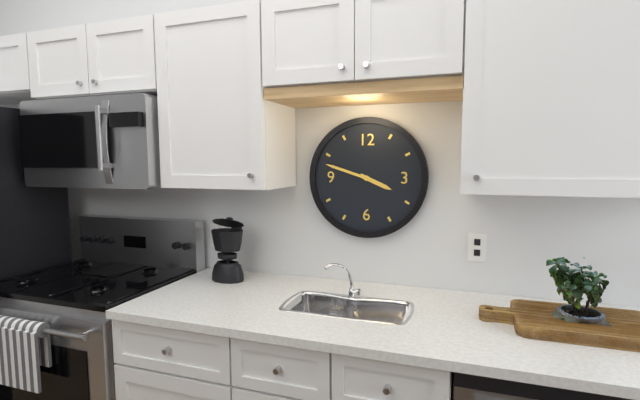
3:48
